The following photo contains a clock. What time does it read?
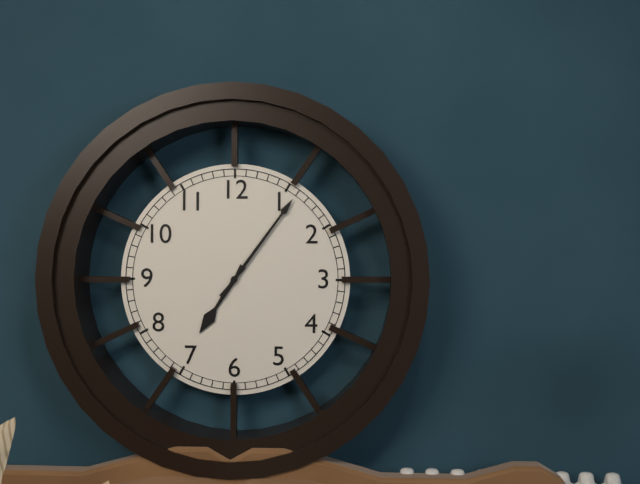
7:06
